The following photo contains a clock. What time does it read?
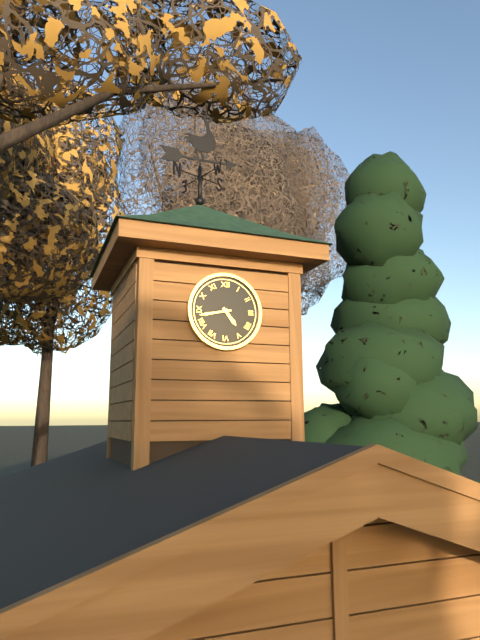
4:43
